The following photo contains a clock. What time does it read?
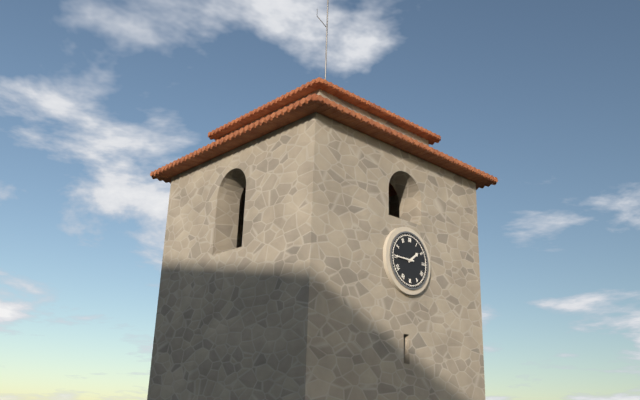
1:45
